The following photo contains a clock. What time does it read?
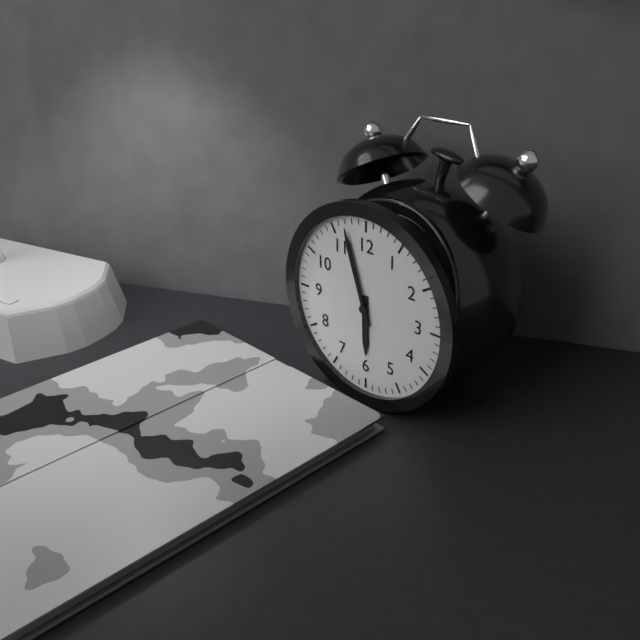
5:57
